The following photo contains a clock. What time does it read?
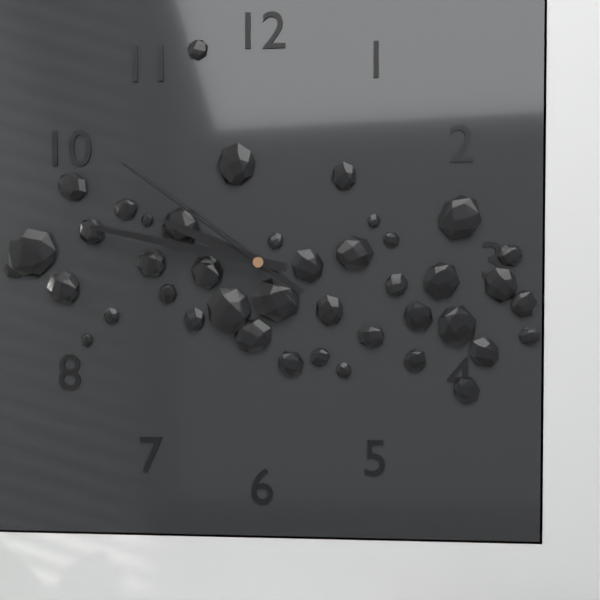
9:47:51
